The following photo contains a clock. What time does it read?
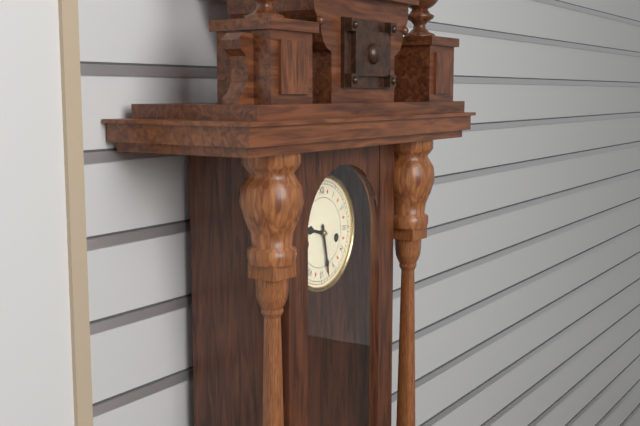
9:28
